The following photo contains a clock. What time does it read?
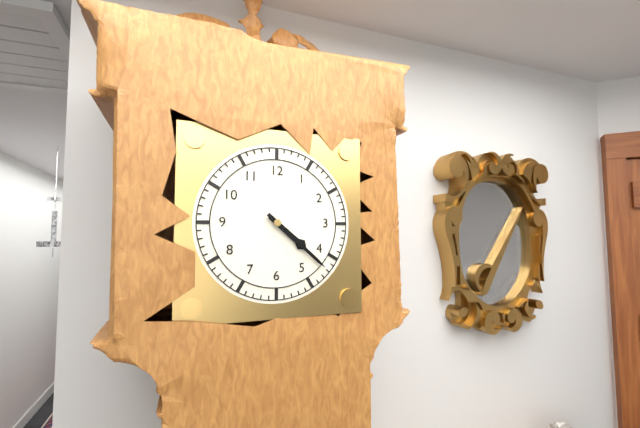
4:22
